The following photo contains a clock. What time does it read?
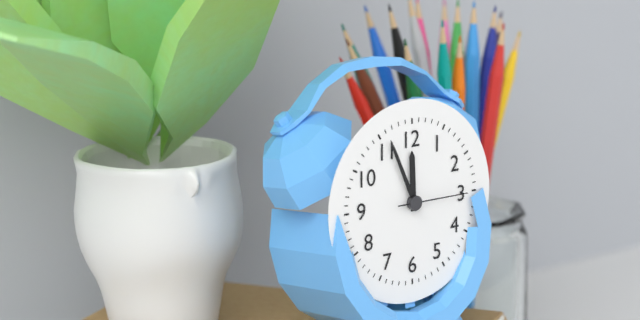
11:56:15
